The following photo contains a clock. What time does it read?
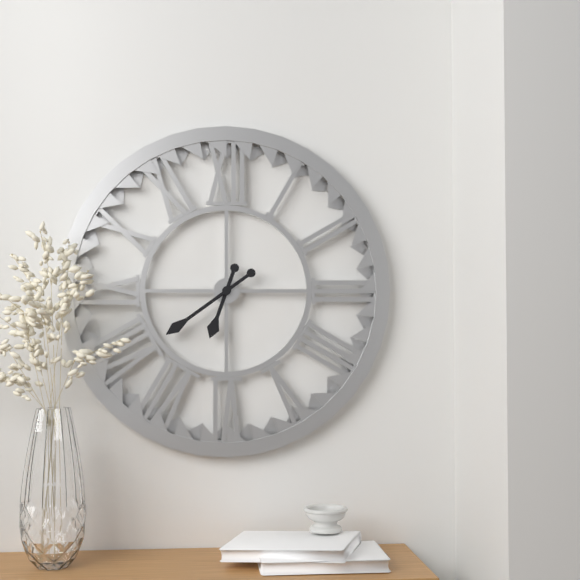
6:39
